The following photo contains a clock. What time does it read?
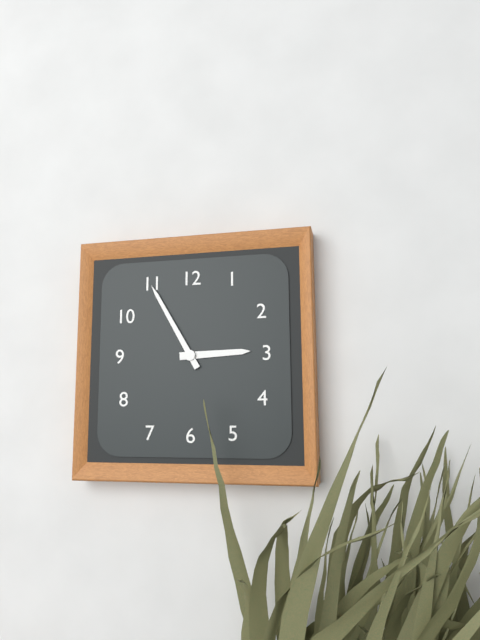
2:55
